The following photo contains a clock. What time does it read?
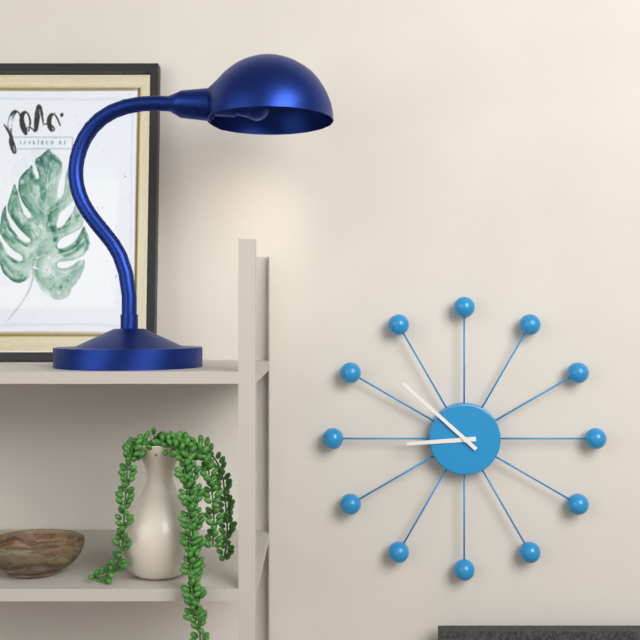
8:52
